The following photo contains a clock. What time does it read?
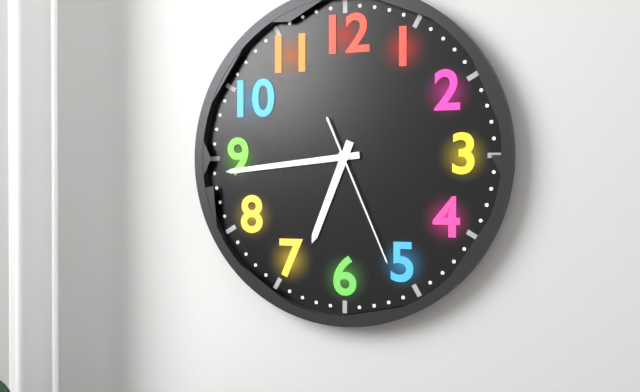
6:44:26
